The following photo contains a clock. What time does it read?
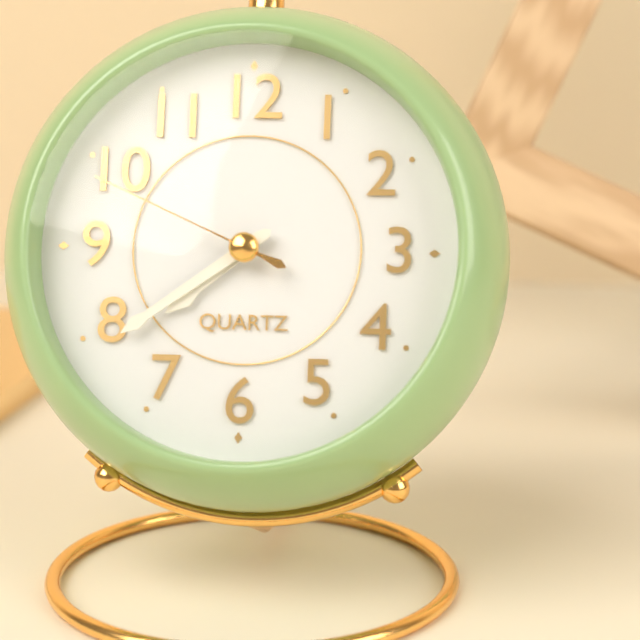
7:39:49
